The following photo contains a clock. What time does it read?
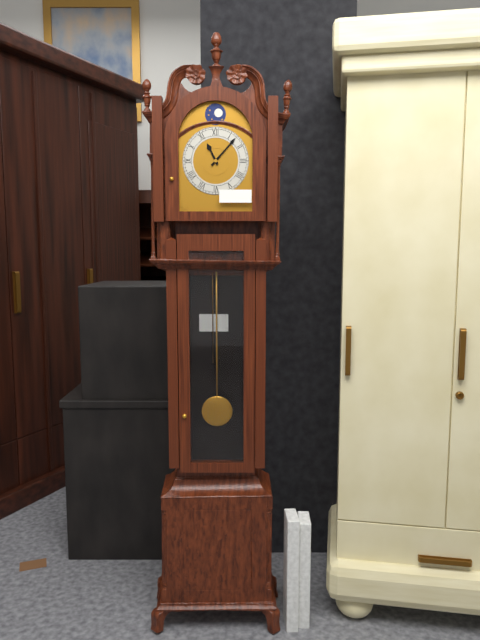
11:07
